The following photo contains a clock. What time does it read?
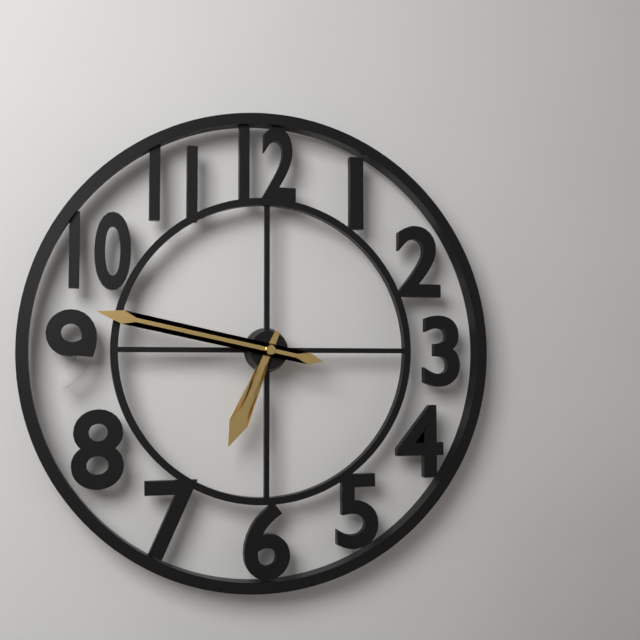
6:47
